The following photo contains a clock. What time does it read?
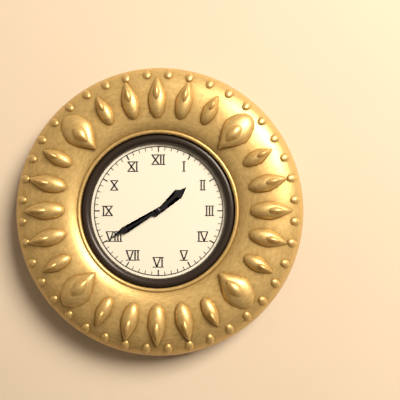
1:40
